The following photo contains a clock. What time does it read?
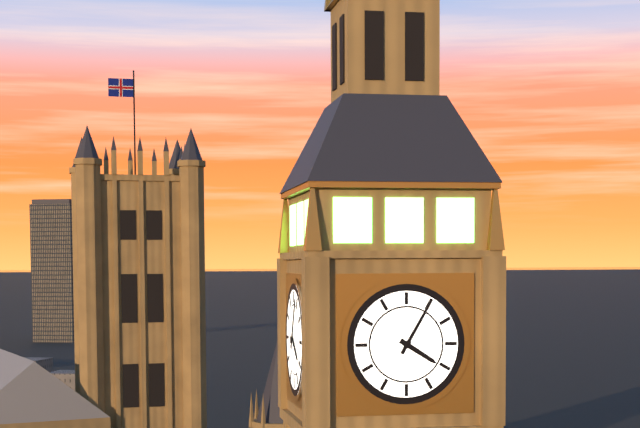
4:05
